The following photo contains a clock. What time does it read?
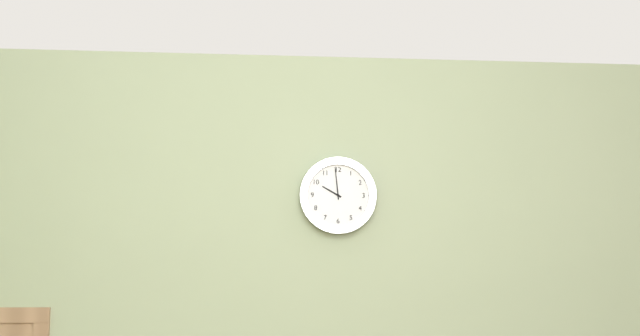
9:59
